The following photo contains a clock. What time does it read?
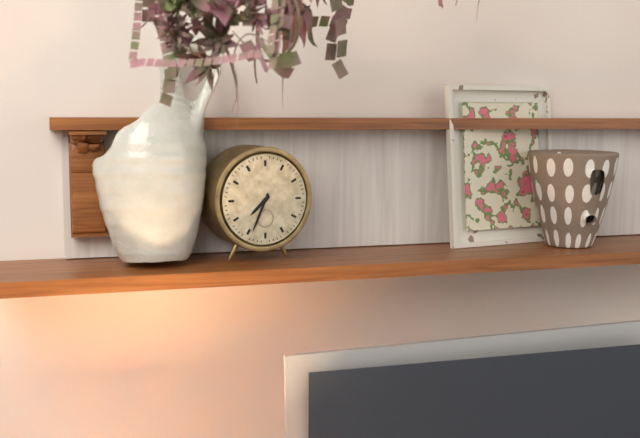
7:34
